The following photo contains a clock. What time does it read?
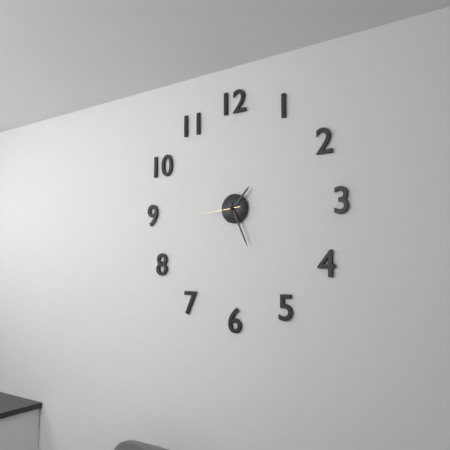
1:26
